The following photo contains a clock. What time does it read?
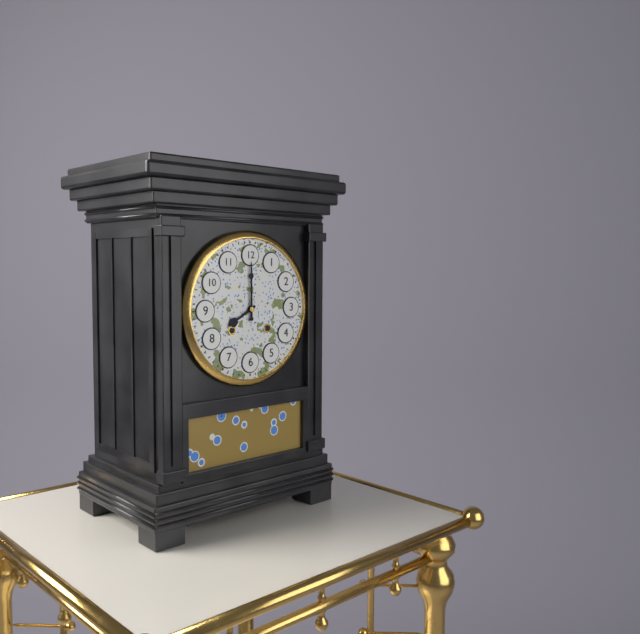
8:00
